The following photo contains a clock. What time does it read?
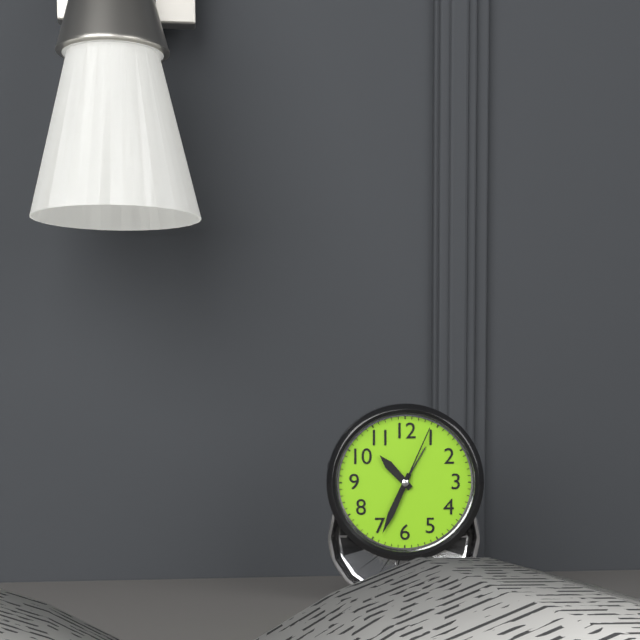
10:34:04
